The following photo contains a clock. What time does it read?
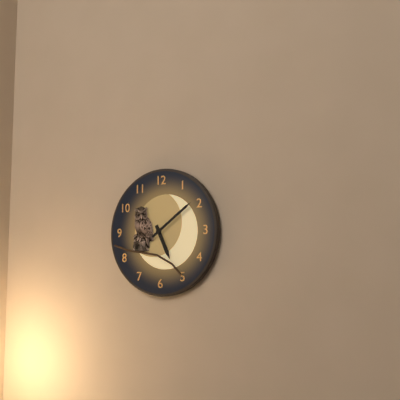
5:09
